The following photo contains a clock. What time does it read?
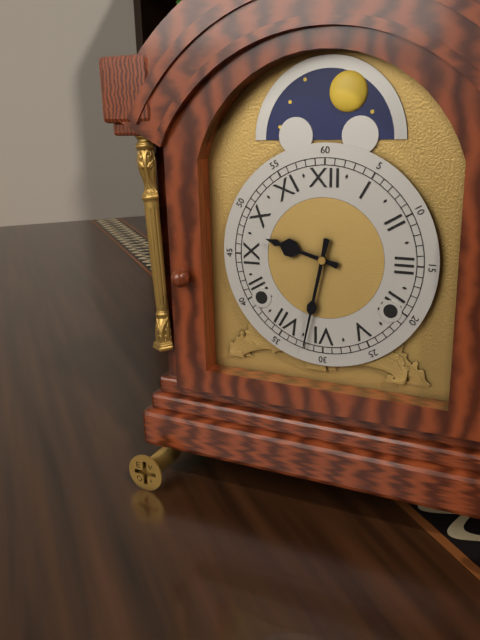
9:32
